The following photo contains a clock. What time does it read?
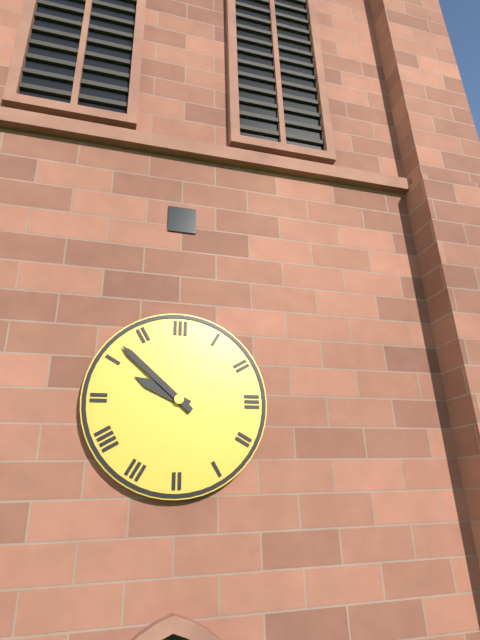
9:52
